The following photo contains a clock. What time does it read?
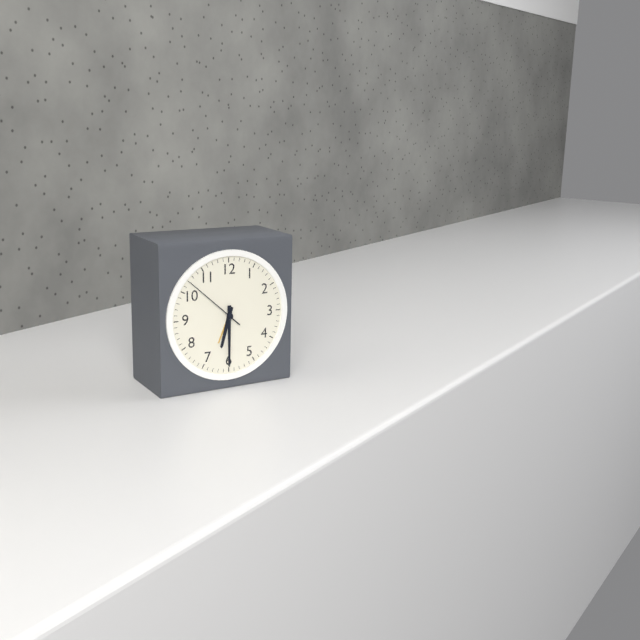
6:30:52
